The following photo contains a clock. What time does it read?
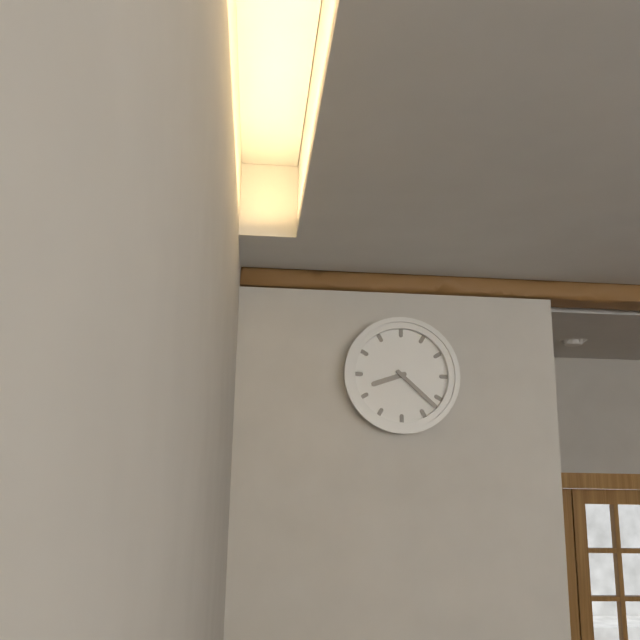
8:22
